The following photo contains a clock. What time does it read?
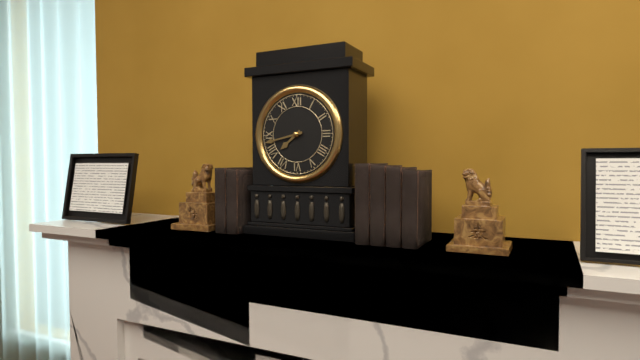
7:43
